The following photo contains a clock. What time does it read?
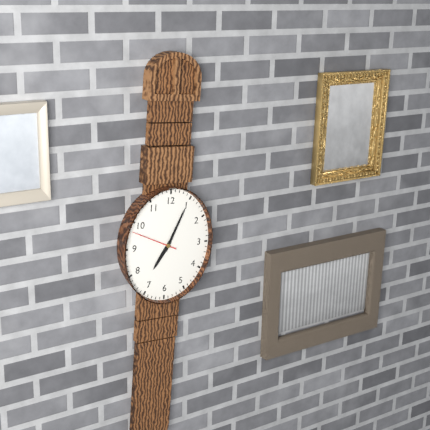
7:04
